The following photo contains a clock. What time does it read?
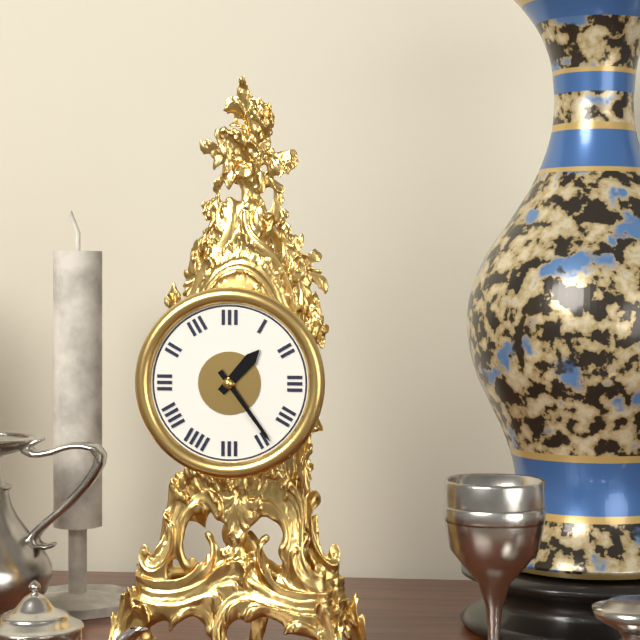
1:24
